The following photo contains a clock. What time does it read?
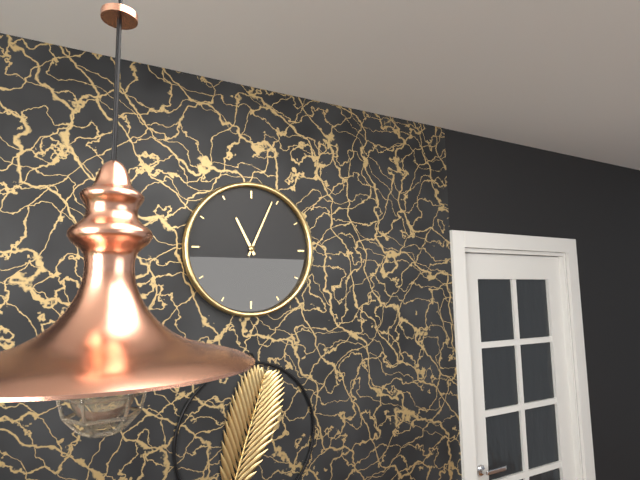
11:04
